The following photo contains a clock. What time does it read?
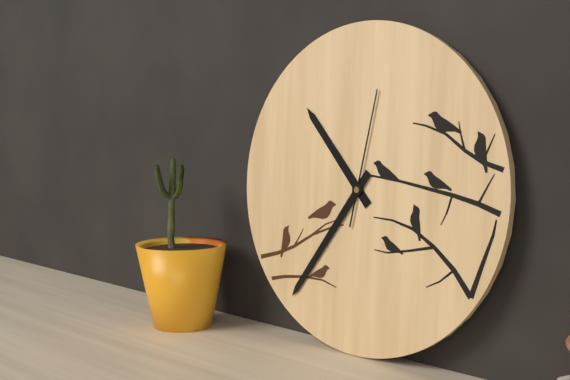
10:36:02
